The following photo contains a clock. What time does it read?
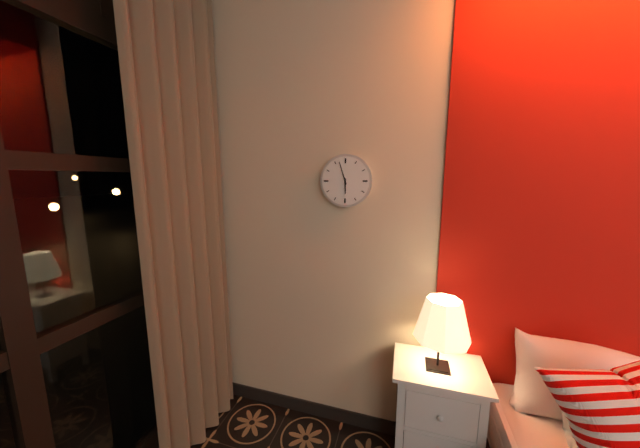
5:57
